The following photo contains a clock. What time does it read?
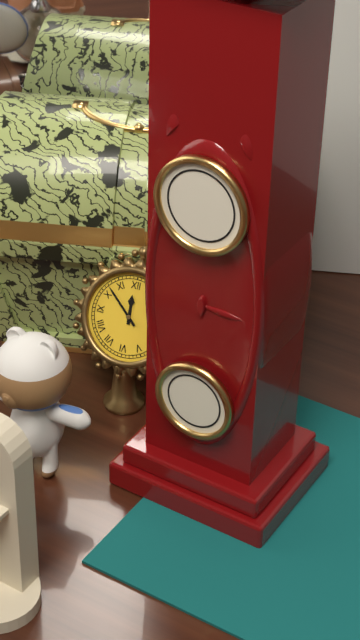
11:52
